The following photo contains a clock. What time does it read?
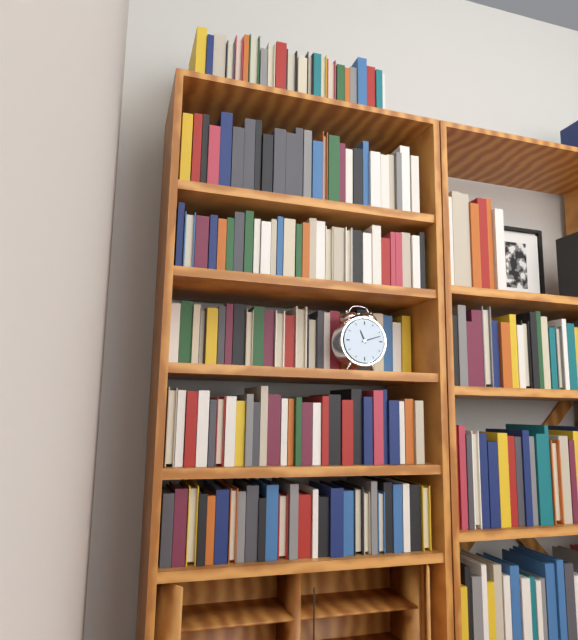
11:12
